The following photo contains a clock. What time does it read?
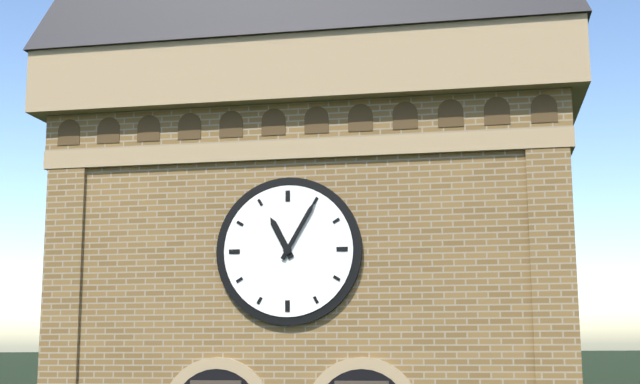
11:05
